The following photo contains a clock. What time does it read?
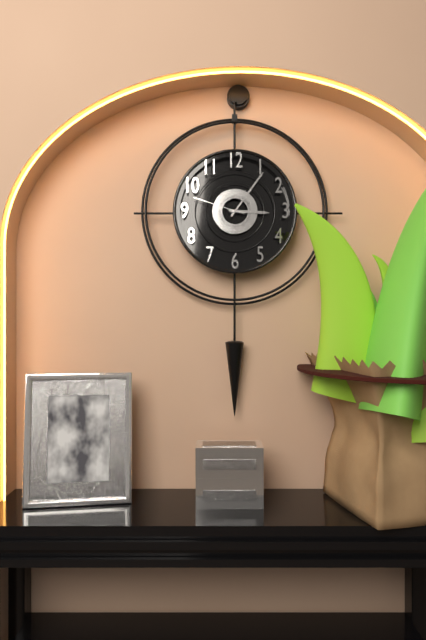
3:06:48
